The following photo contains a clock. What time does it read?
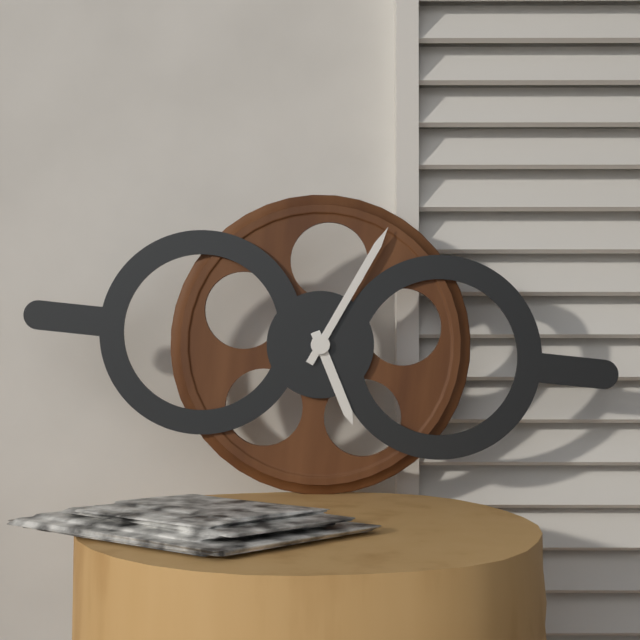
5:04
